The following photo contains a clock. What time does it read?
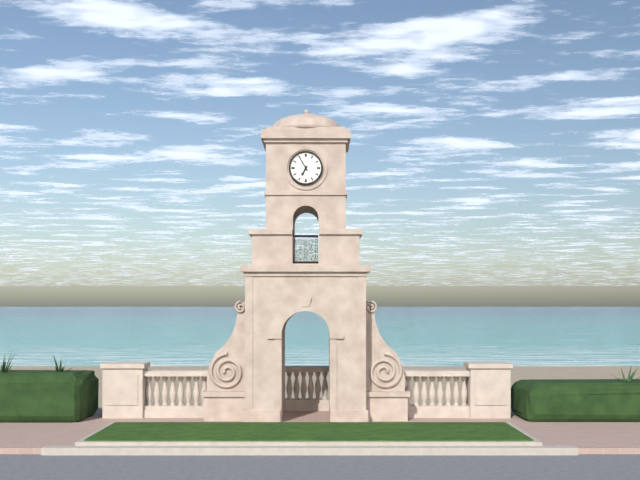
6:55
